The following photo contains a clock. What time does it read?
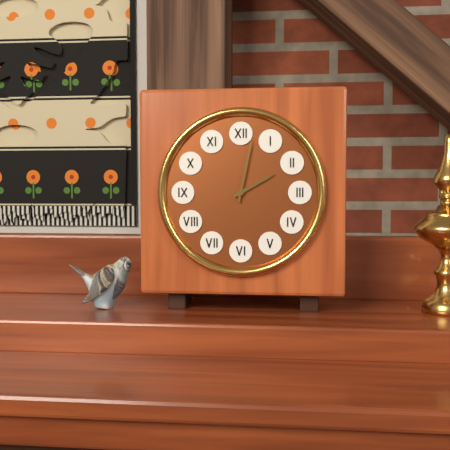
2:02
